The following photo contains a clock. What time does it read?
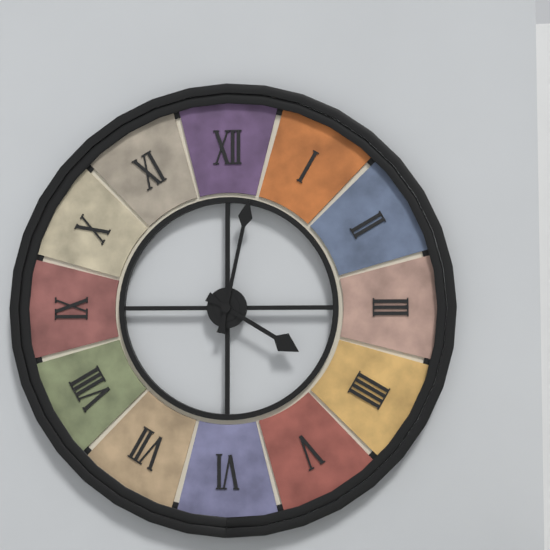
4:02
